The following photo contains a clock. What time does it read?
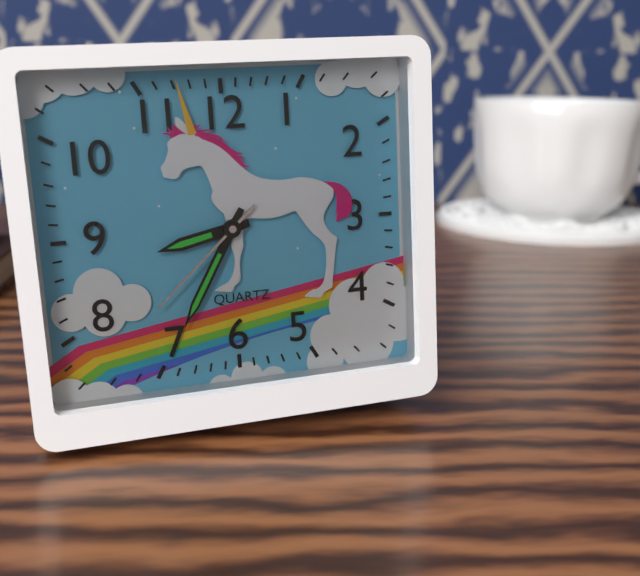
8:35:38
